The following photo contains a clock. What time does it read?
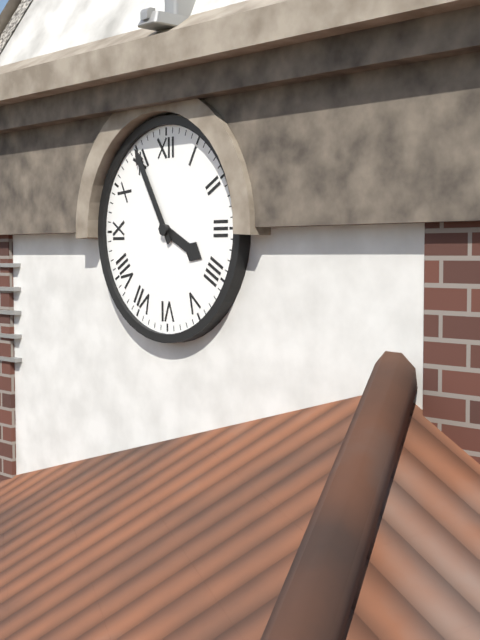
3:55
